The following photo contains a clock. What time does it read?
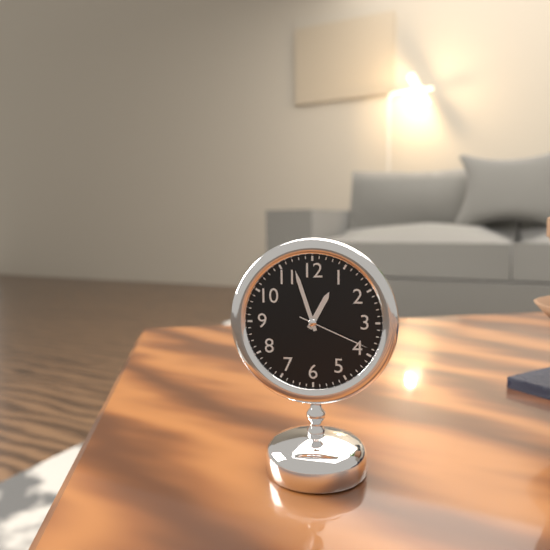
12:57:19
